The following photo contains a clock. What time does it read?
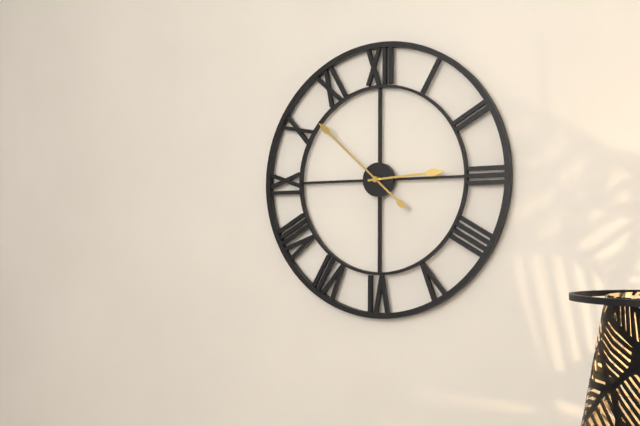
2:52
